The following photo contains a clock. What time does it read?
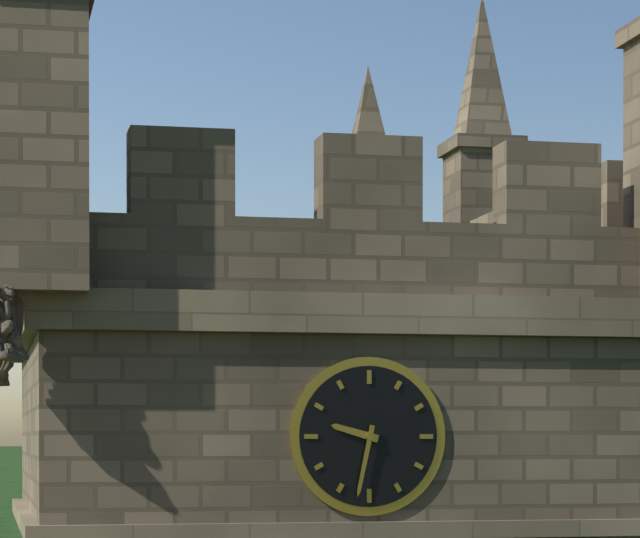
9:32
